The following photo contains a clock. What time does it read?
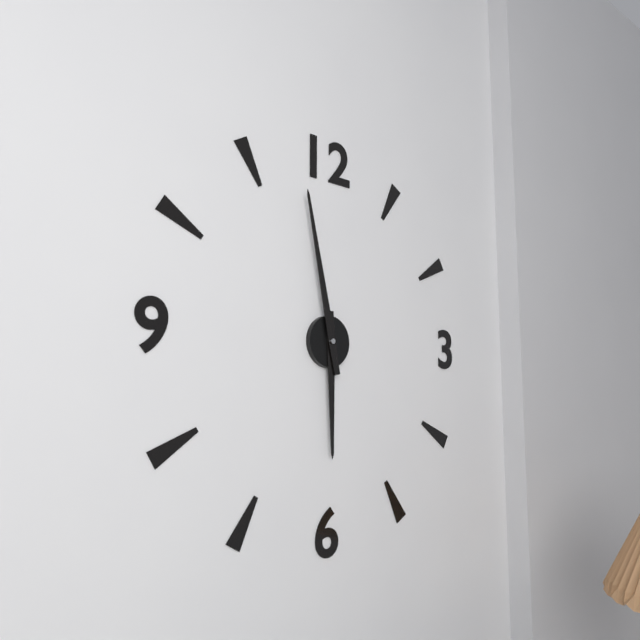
5:58
